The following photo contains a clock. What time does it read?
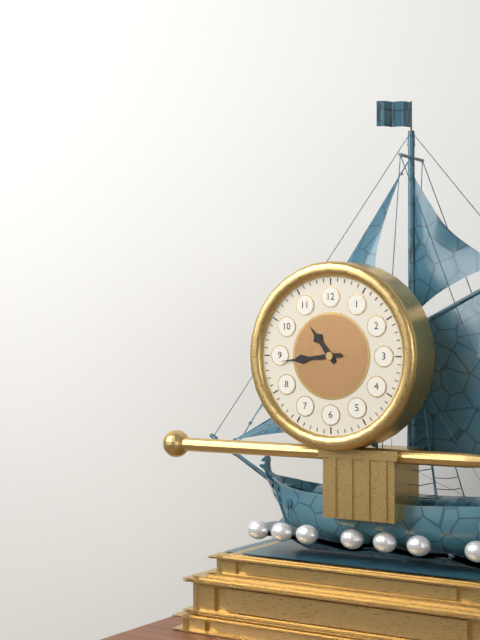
10:44
